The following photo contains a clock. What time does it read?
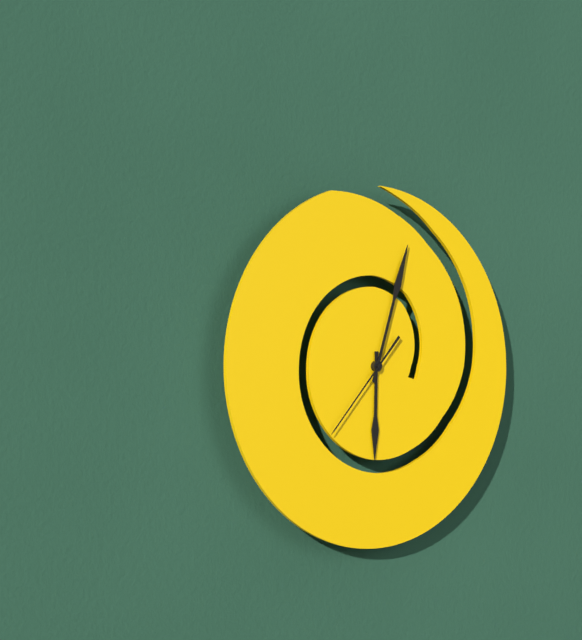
6:03:37
